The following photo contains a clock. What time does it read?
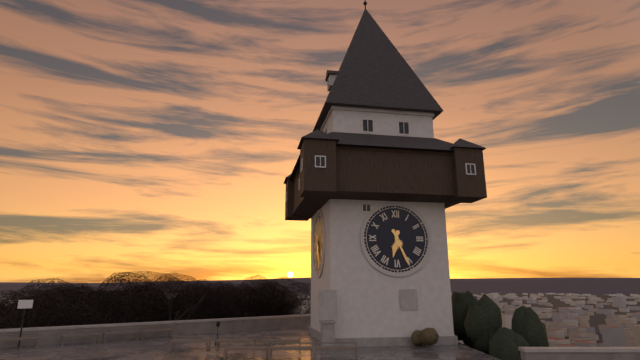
6:26
